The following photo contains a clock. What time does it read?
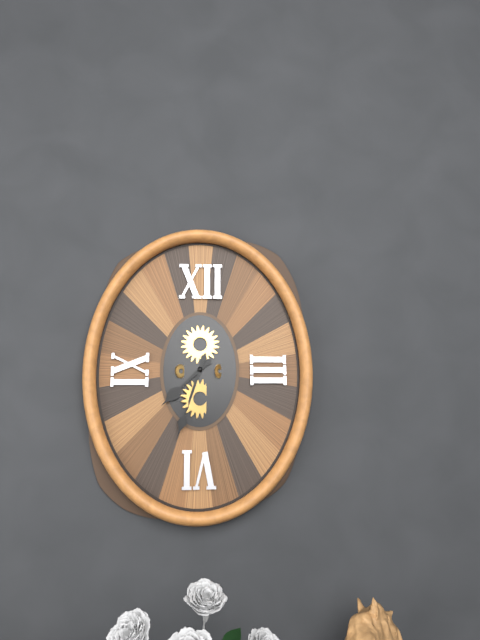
7:33
